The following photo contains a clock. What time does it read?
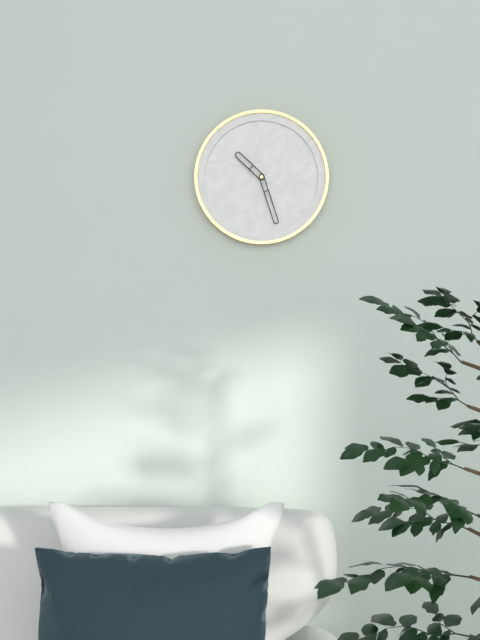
10:27
